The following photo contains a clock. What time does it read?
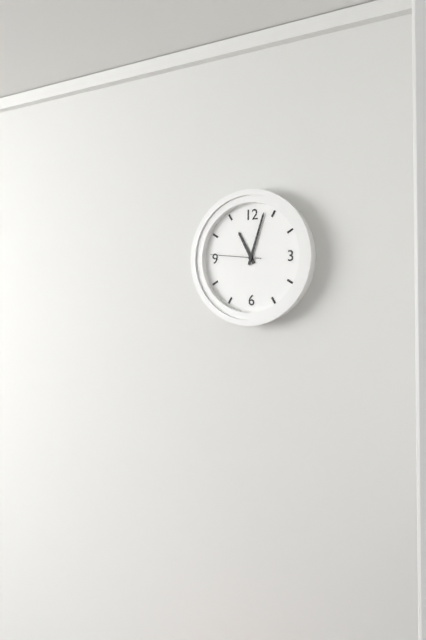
11:03:46
